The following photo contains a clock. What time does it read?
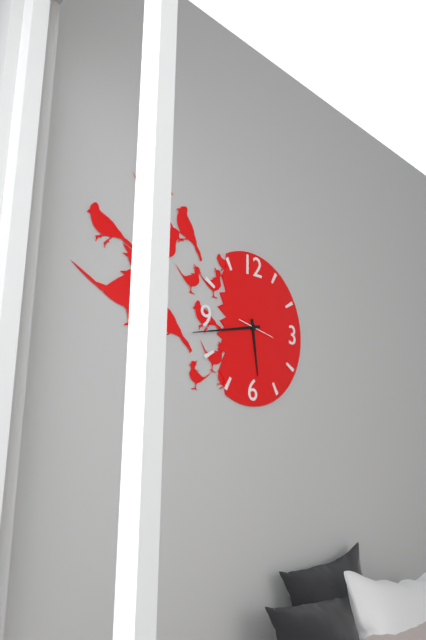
5:43
